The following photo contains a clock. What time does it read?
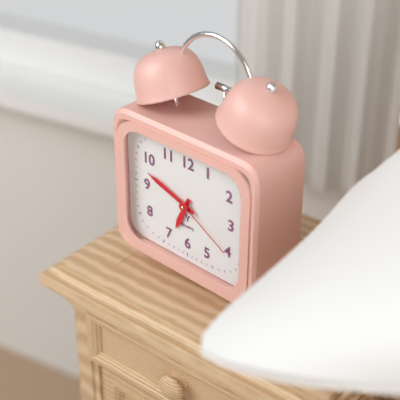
6:48:20
